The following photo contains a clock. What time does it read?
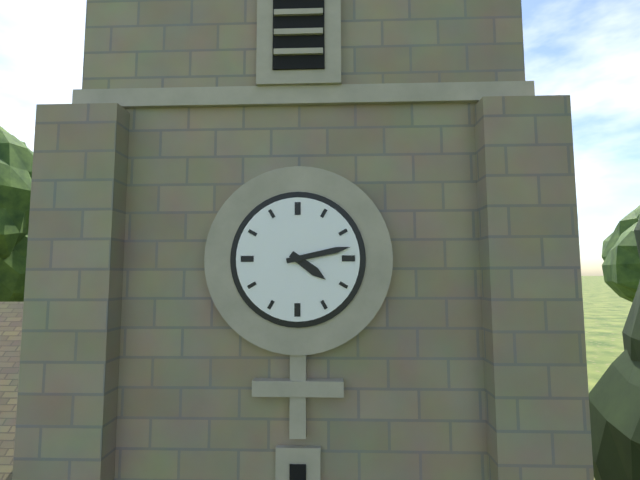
4:13
